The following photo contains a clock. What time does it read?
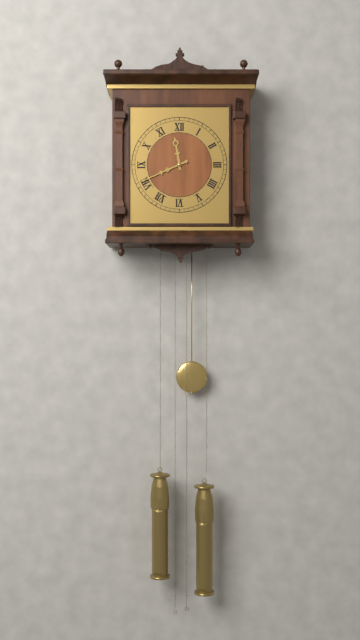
11:41
